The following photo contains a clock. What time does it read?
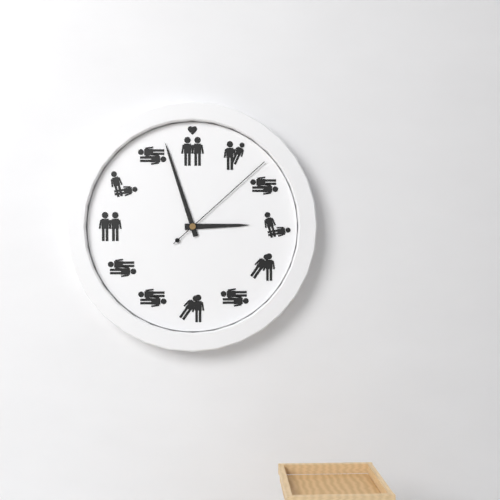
2:57:08
